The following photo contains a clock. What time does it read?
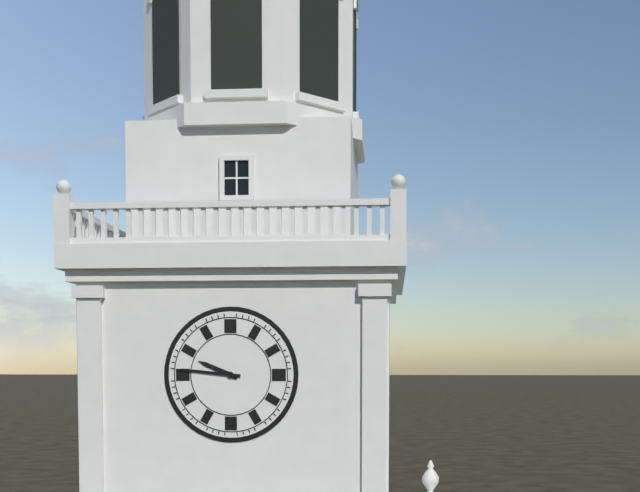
9:46
